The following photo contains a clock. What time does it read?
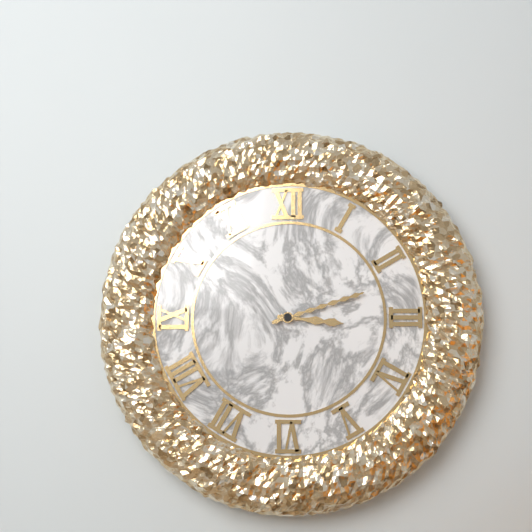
3:12
